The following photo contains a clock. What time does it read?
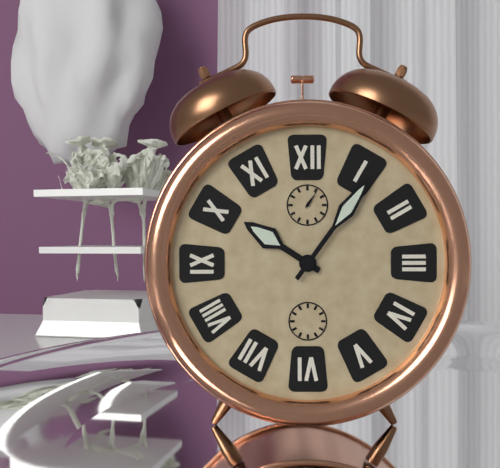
10:06
